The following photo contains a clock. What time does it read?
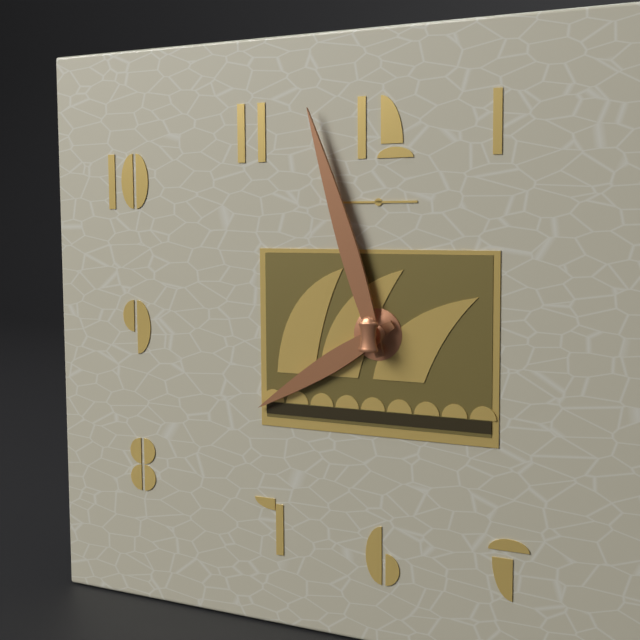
7:57
